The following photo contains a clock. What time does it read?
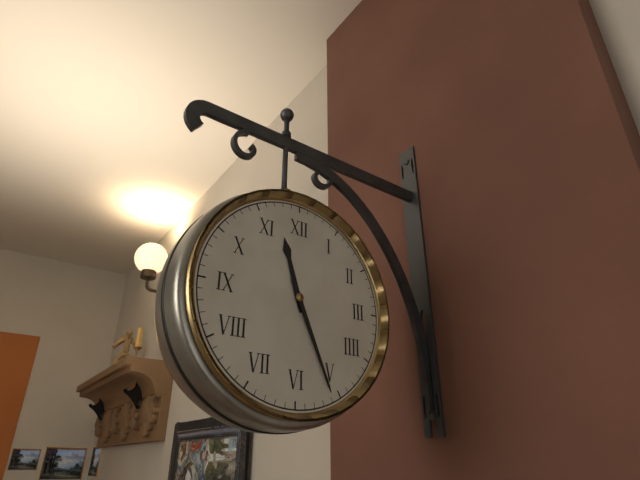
11:26
